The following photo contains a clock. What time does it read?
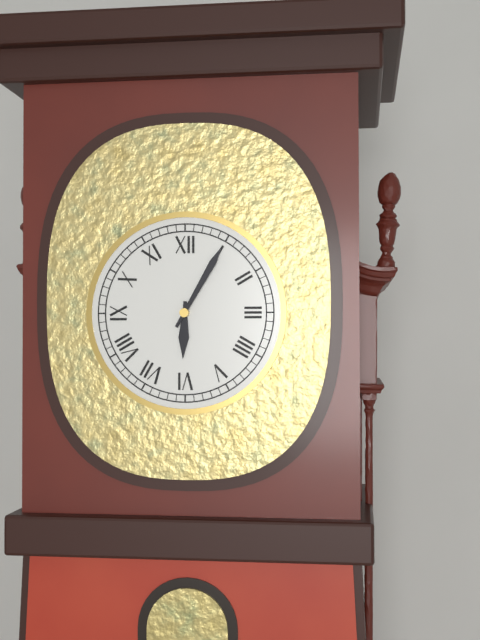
6:05
